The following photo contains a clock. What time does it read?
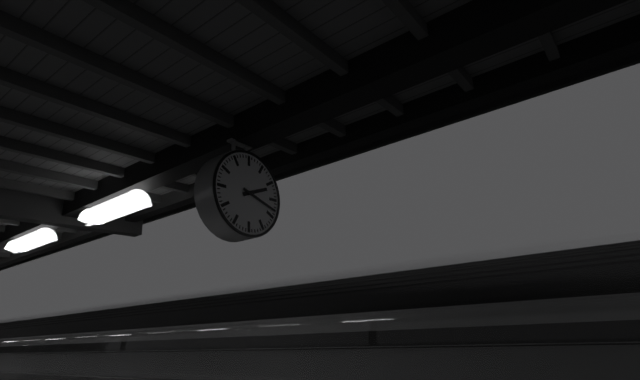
2:18
